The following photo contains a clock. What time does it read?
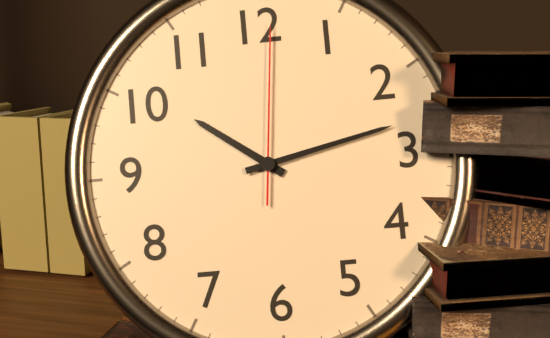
10:13:01
